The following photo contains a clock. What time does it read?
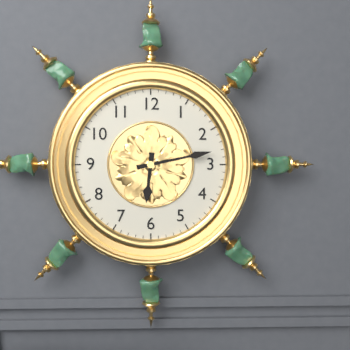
6:13
